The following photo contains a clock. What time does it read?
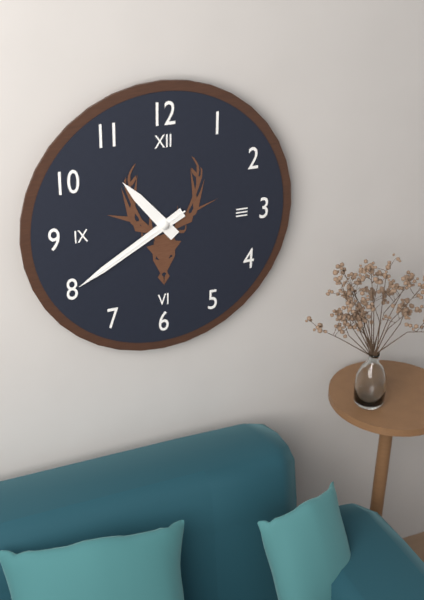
10:40:40
